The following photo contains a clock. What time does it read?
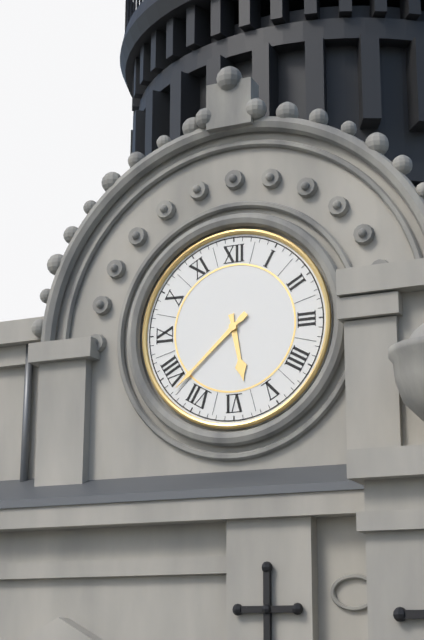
5:38
